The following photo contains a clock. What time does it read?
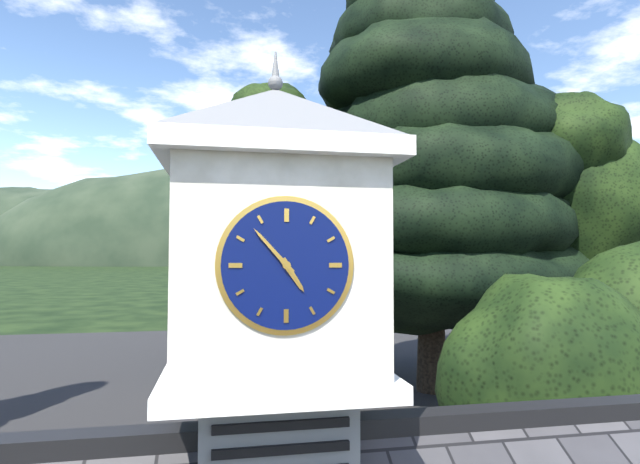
4:53
